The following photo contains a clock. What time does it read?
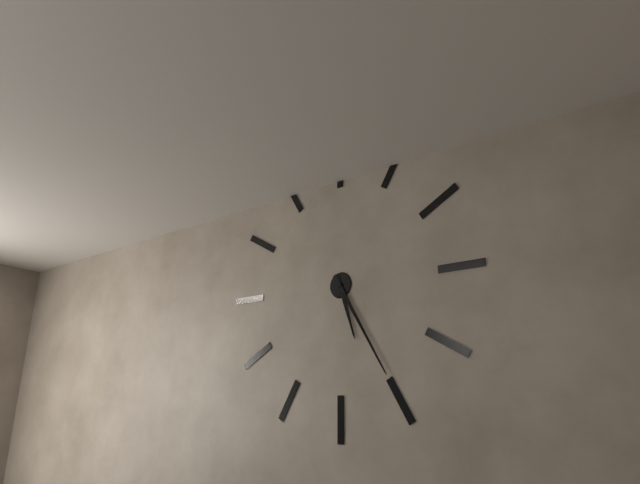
5:25
